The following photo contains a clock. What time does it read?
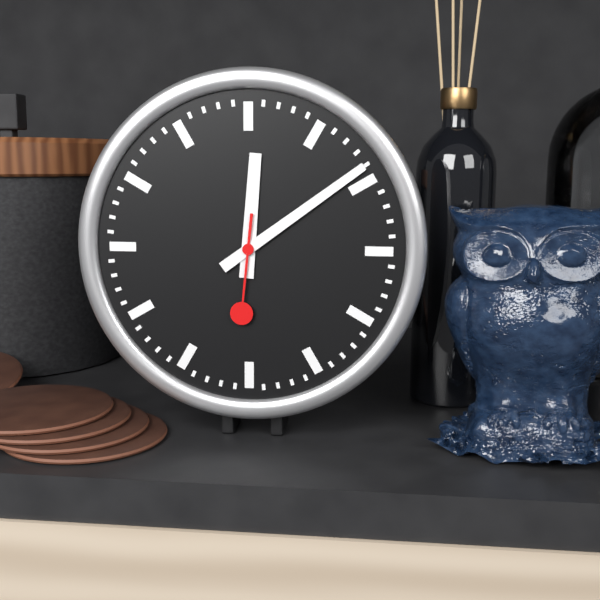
12:09:31
